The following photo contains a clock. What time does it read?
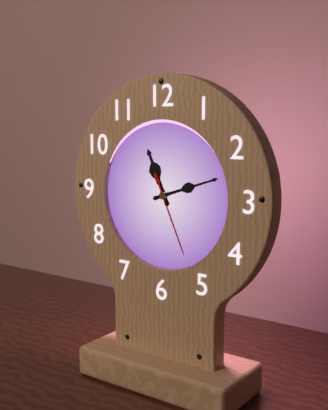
11:12:26
